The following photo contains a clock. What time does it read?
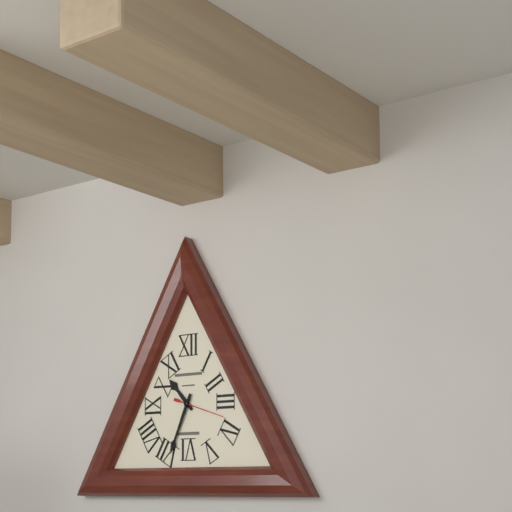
10:34
